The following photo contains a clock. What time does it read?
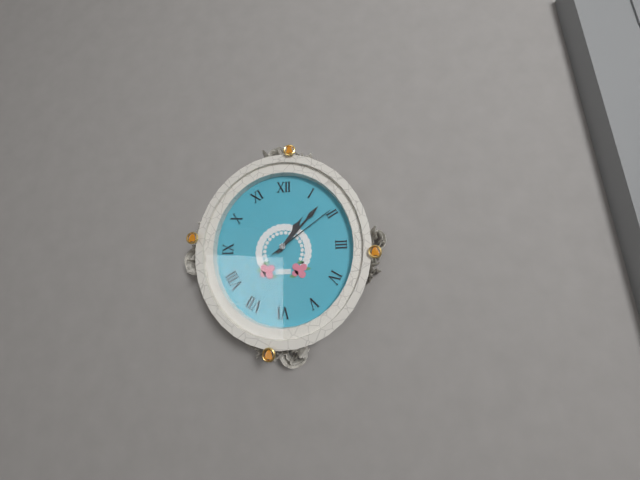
1:07:09
